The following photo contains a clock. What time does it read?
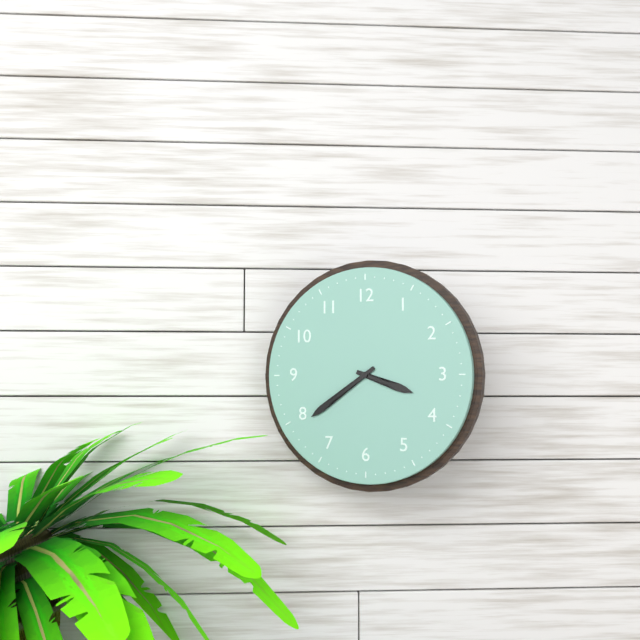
3:39
